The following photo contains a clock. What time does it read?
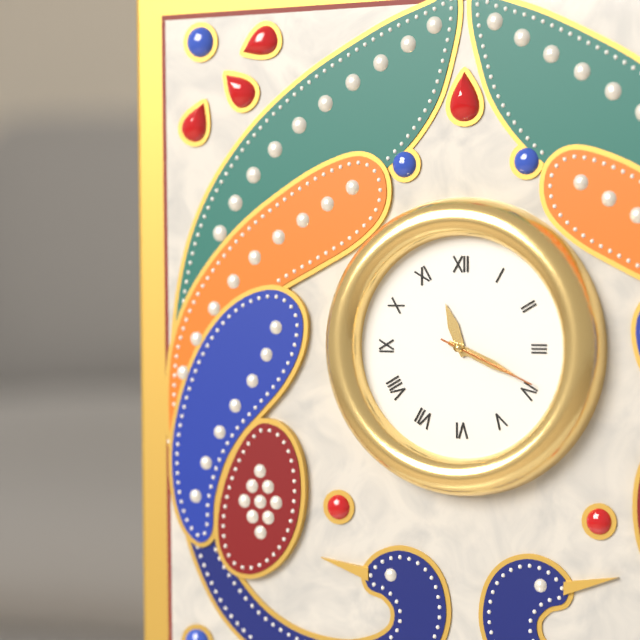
11:19:19
